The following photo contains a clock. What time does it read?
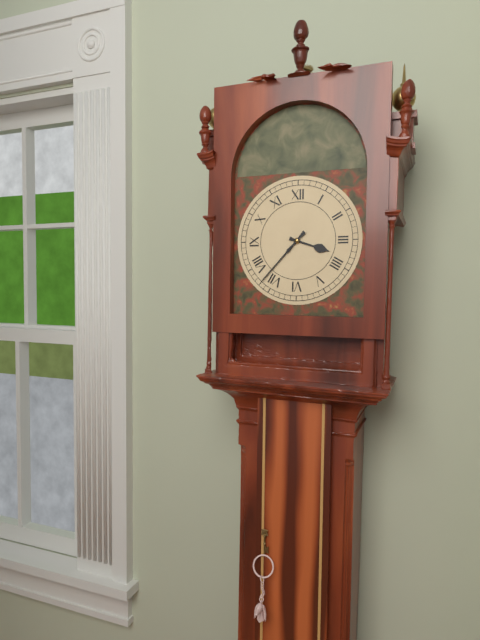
3:37
